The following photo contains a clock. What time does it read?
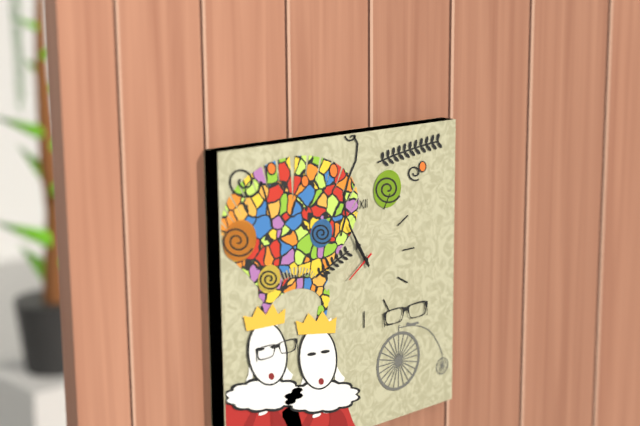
10:55
